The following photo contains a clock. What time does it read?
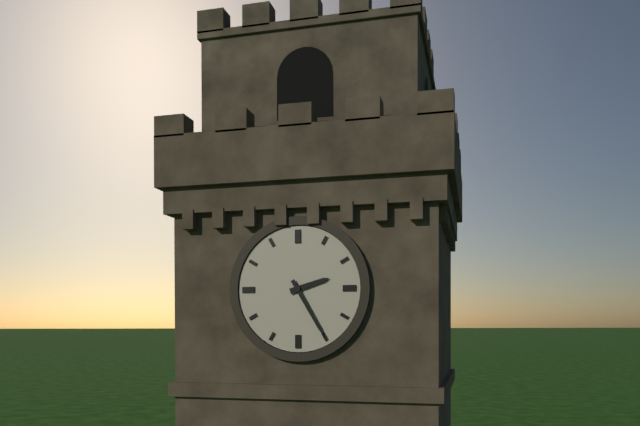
2:25
